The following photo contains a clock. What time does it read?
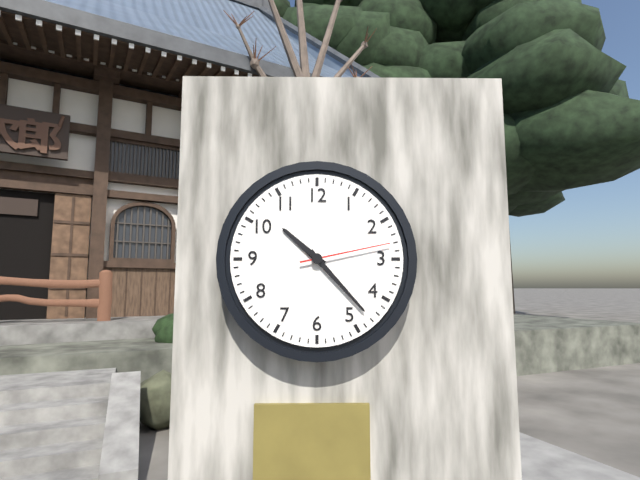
10:23:13
